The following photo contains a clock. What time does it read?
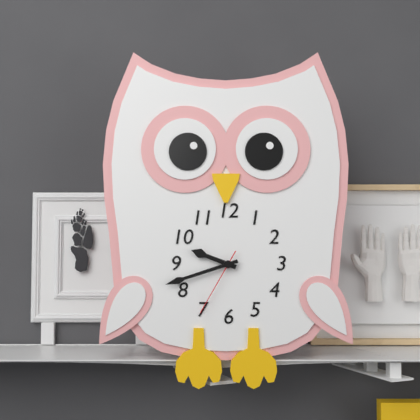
9:42:35
